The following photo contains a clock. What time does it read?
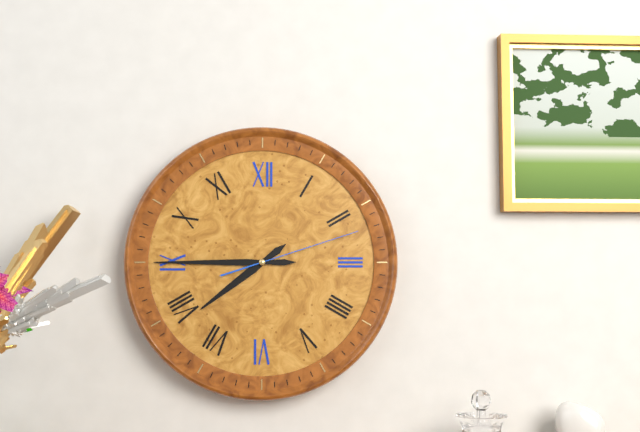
7:45:12
